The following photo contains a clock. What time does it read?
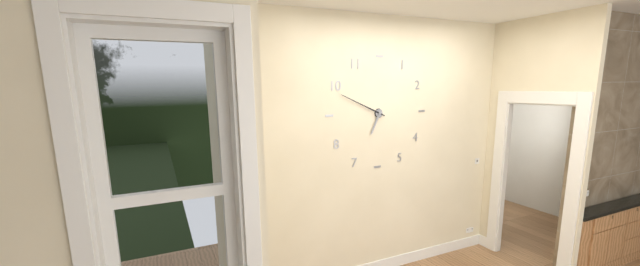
6:49
